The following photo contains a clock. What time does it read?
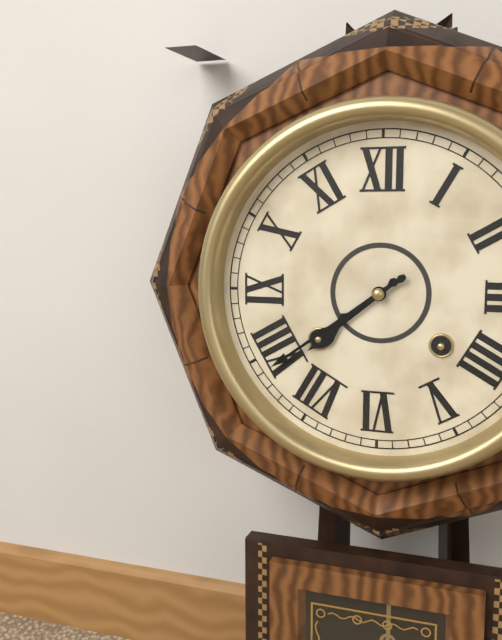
7:39
